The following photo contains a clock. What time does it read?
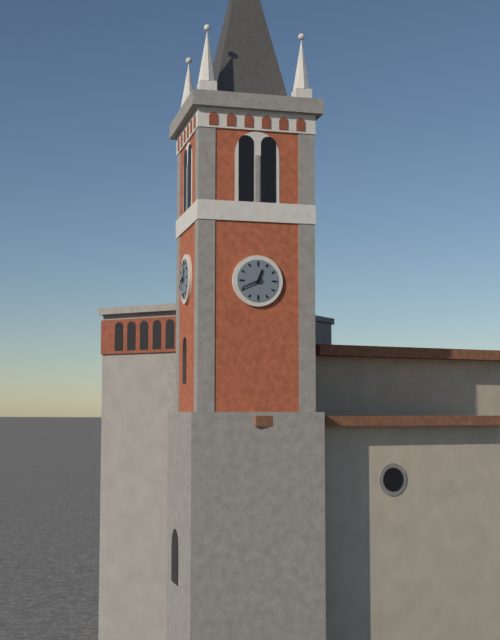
12:41
